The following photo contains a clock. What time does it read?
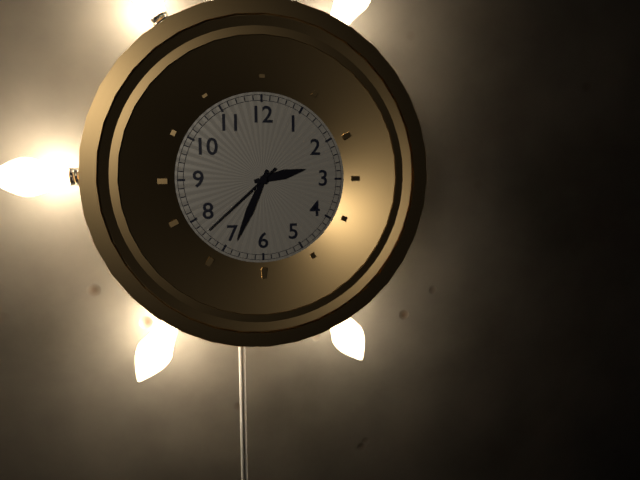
2:34:38
